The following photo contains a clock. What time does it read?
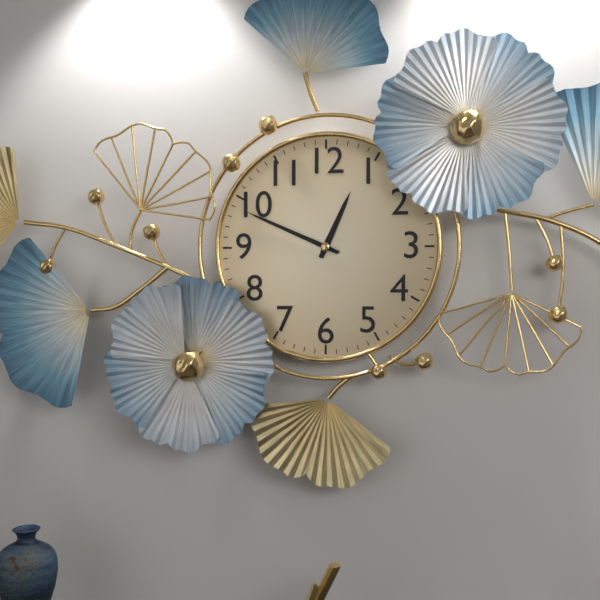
12:49
